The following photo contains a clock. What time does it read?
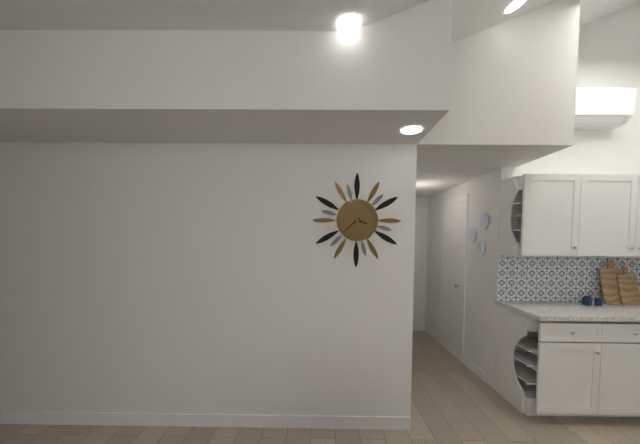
3:38
